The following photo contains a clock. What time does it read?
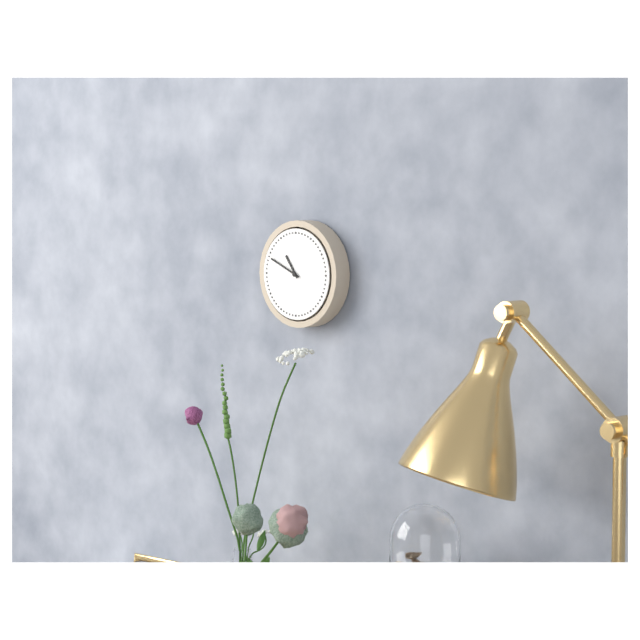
10:49
